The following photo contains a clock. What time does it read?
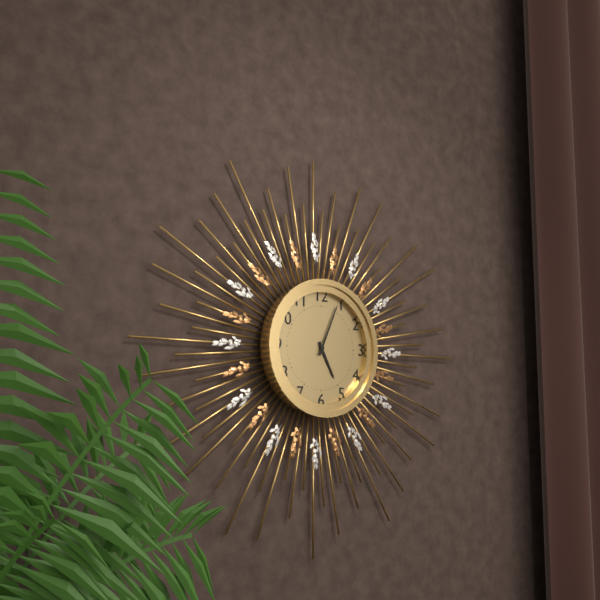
5:04
